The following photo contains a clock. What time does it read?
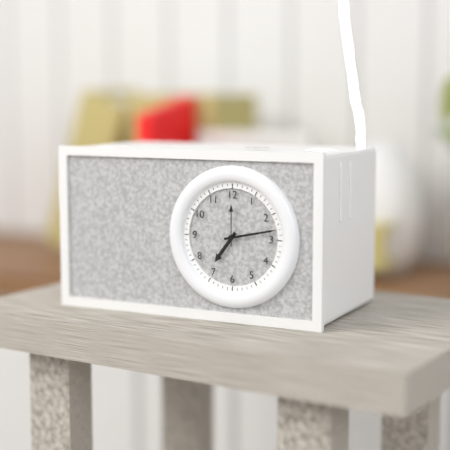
7:13
